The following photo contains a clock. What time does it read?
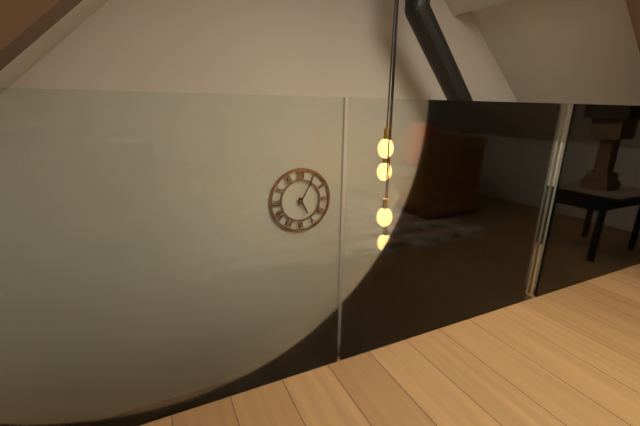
5:05
